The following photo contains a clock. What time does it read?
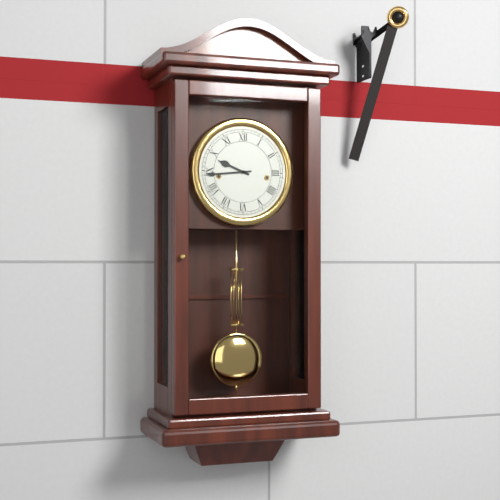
9:44
